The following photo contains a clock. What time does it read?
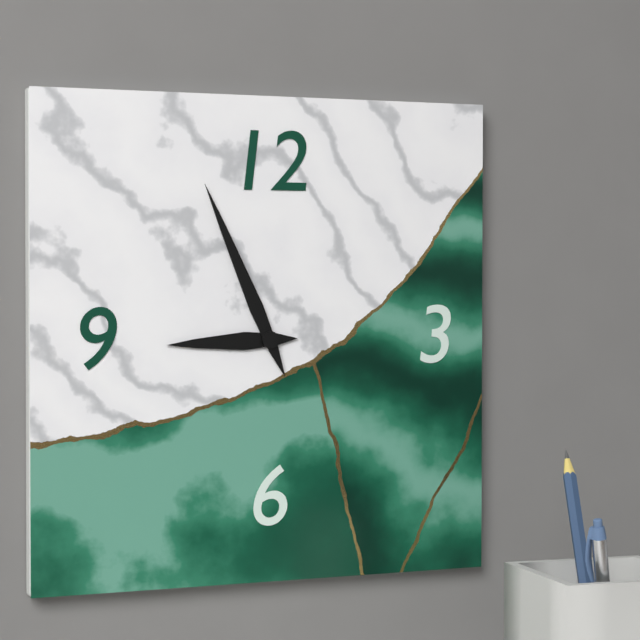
8:56
